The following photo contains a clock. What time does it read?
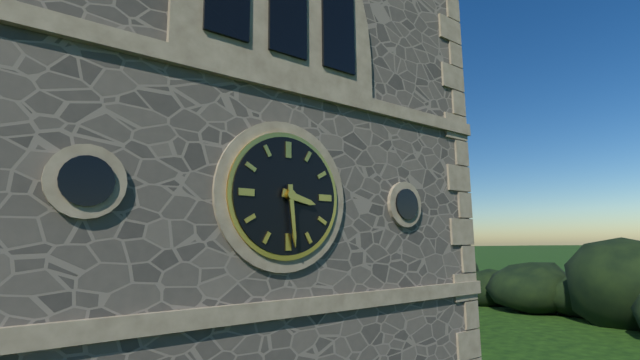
3:29
